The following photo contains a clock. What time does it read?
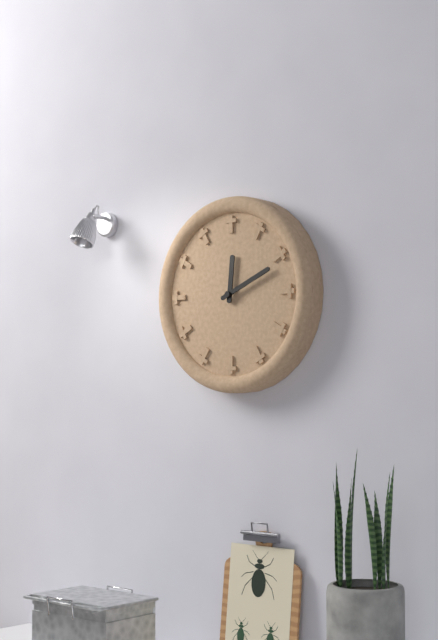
12:11
